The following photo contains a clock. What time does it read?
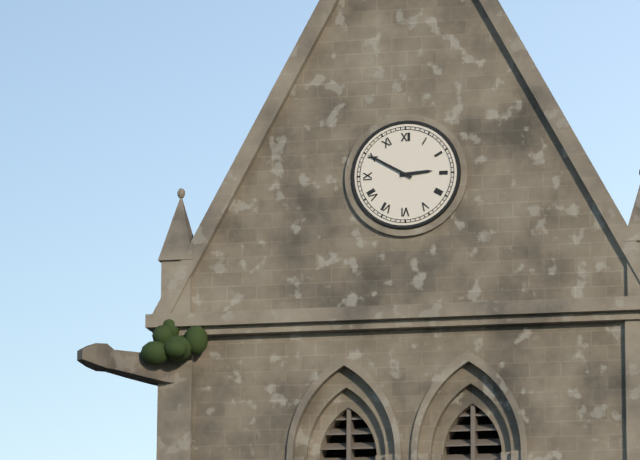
2:50
